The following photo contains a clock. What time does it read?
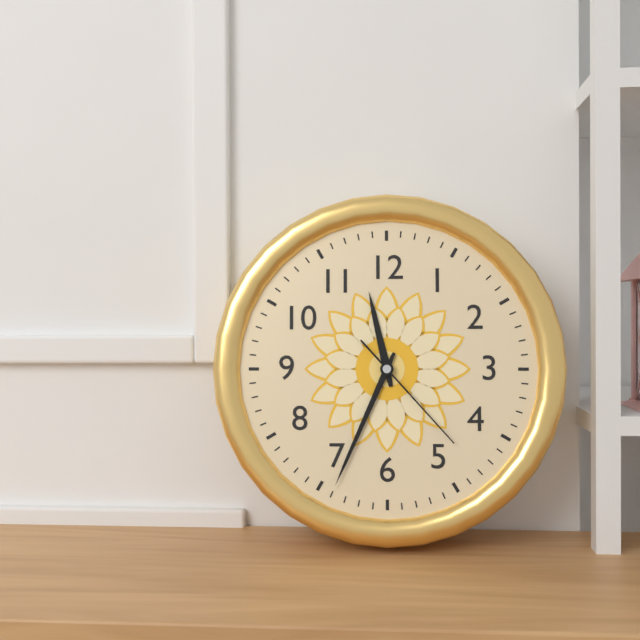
11:34:23
